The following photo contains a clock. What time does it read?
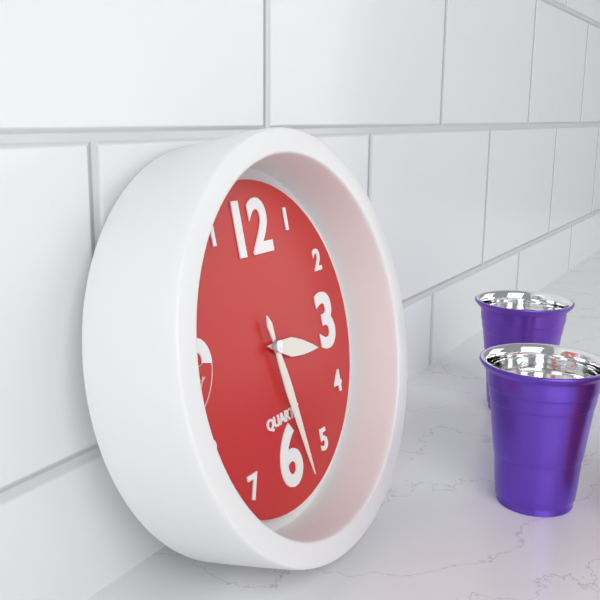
3:28
